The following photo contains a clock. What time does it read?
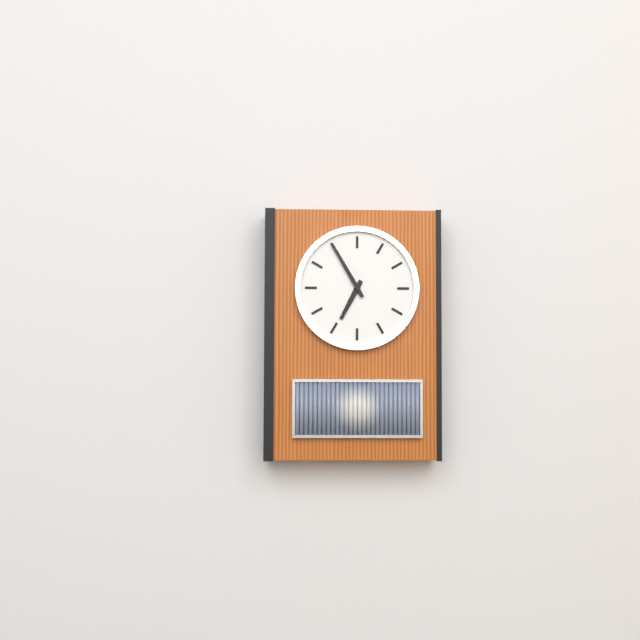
6:55
